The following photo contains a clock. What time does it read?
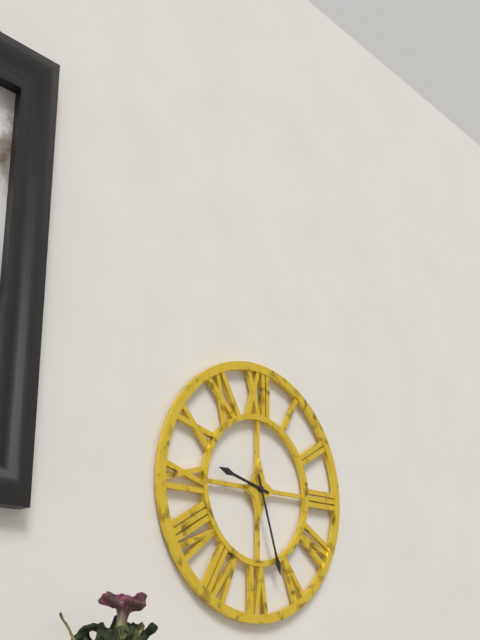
9:27
